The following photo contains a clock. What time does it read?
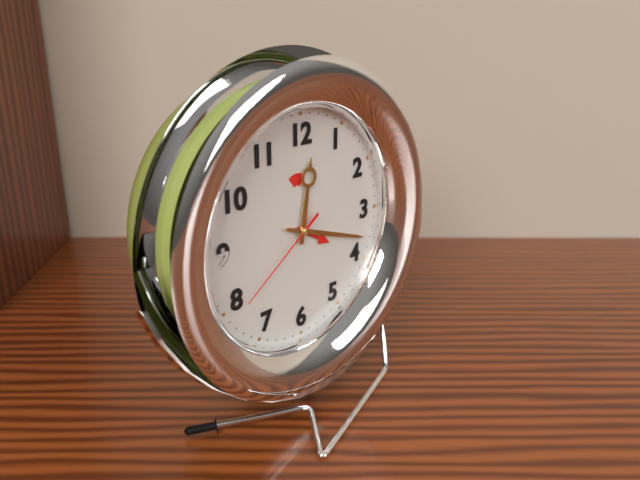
12:18:39
